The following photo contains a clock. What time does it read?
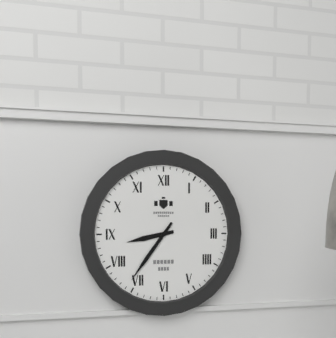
8:36
